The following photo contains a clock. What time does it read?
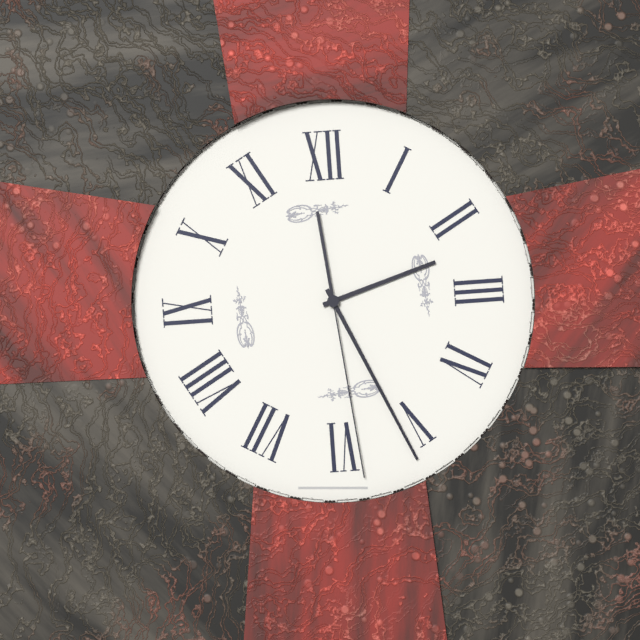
2:26:29
